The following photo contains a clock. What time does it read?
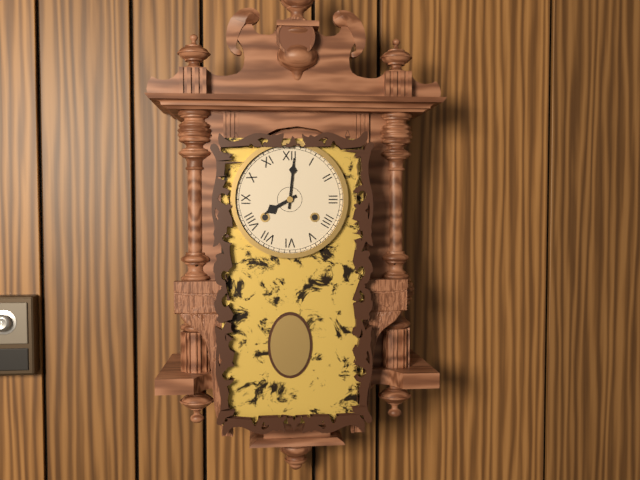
8:01
